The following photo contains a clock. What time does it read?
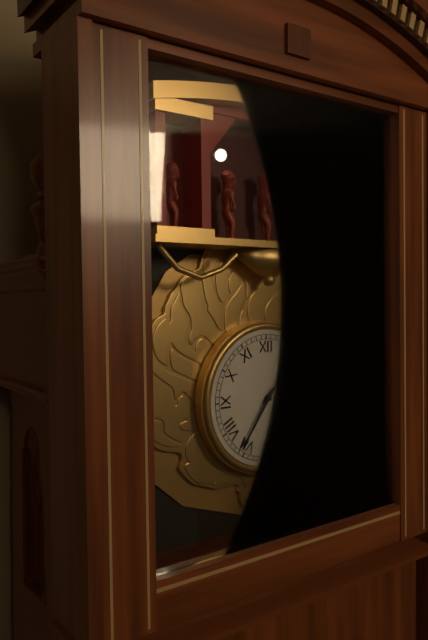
1:36
